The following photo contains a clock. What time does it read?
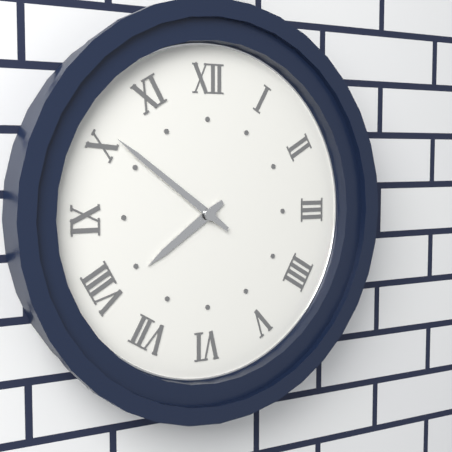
7:51
